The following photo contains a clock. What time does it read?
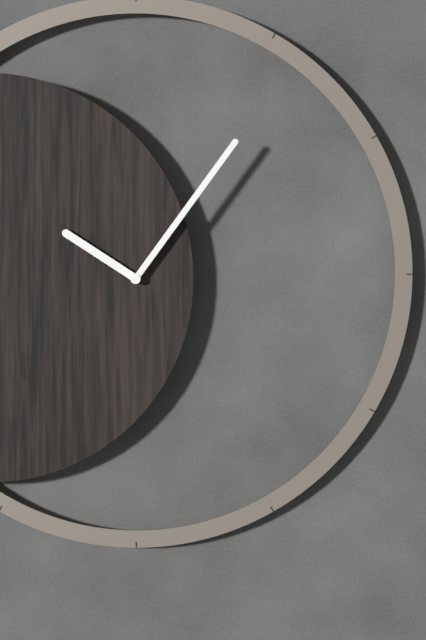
10:06
